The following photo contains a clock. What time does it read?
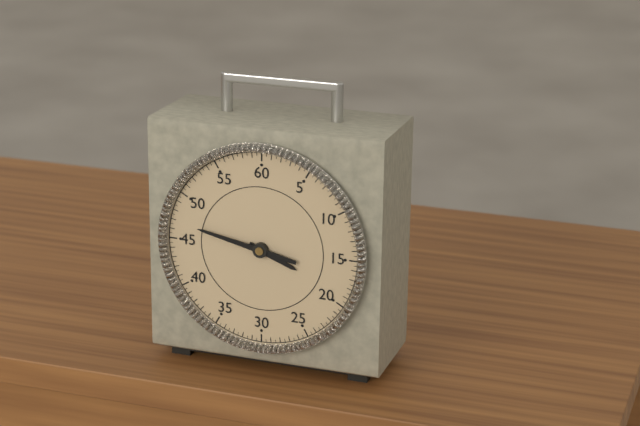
3:47
